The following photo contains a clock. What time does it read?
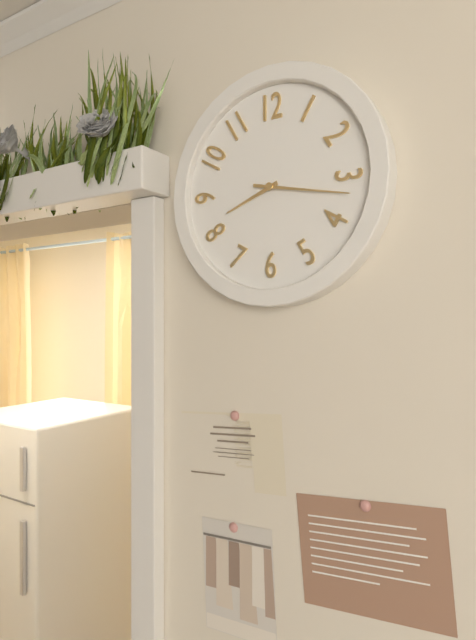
8:17
